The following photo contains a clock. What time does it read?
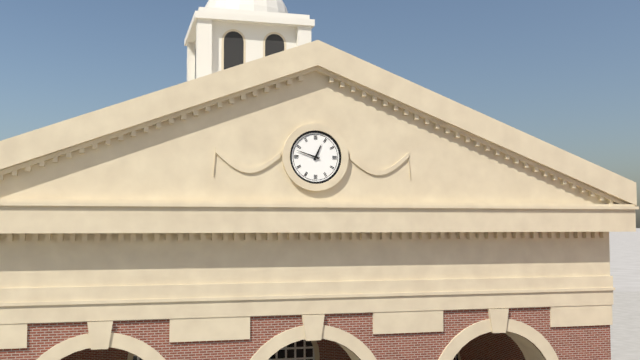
12:48
